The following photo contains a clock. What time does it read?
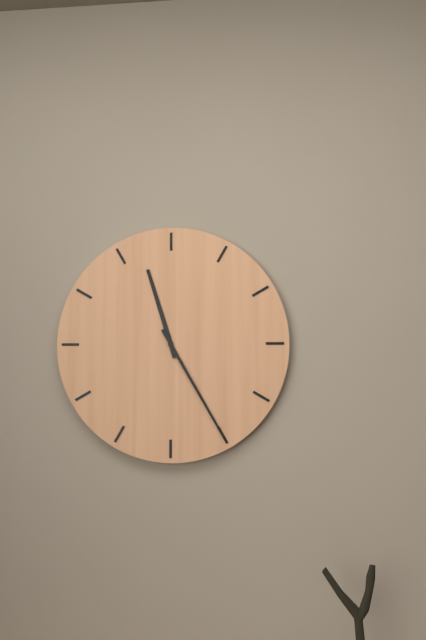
11:25
